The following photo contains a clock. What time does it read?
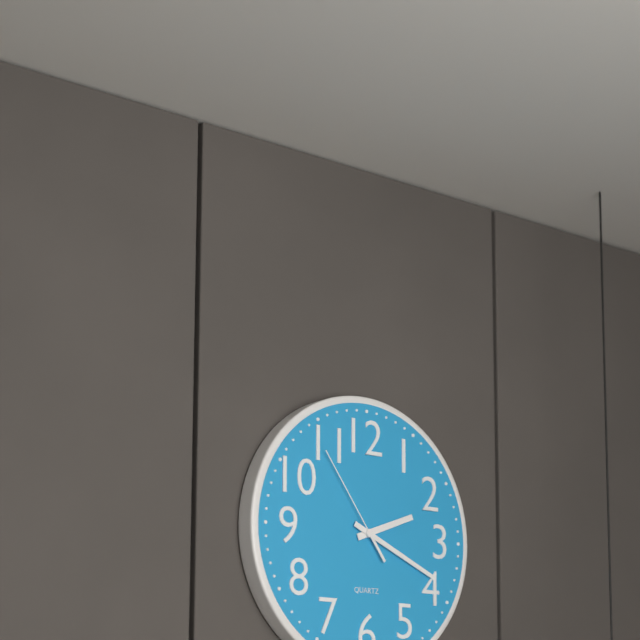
2:19:54
